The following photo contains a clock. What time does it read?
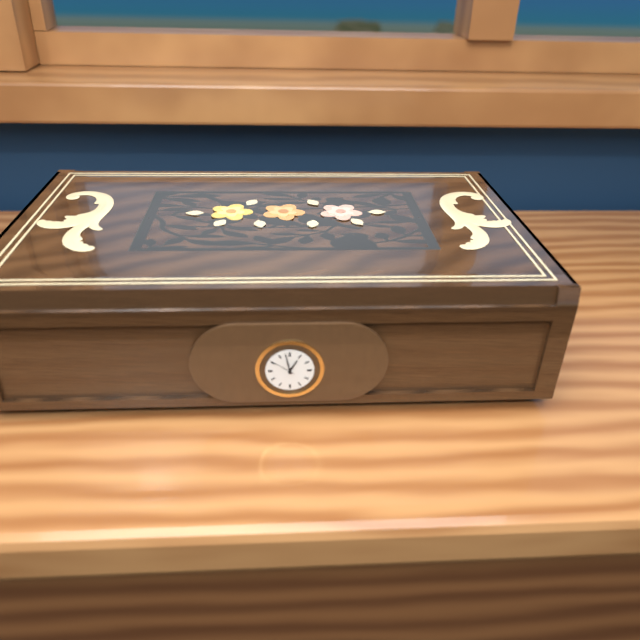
12:58:51
